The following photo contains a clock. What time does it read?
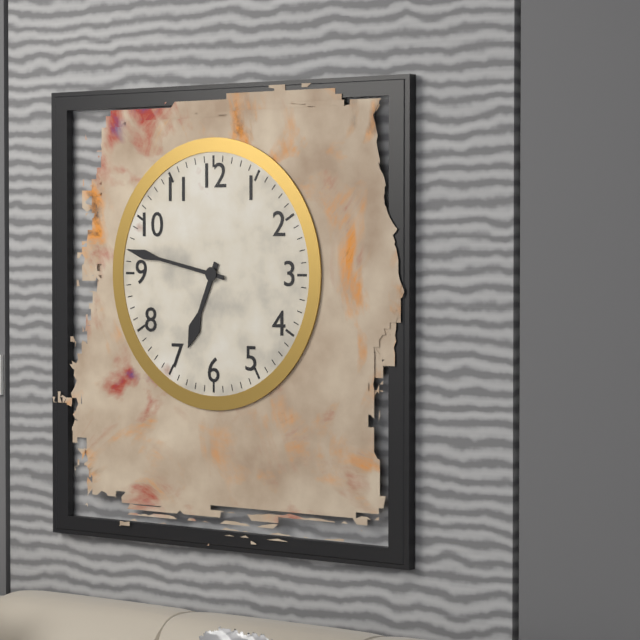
6:47
